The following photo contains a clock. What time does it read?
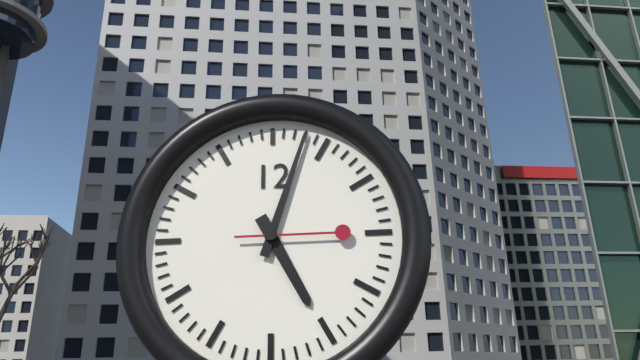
5:03:15
